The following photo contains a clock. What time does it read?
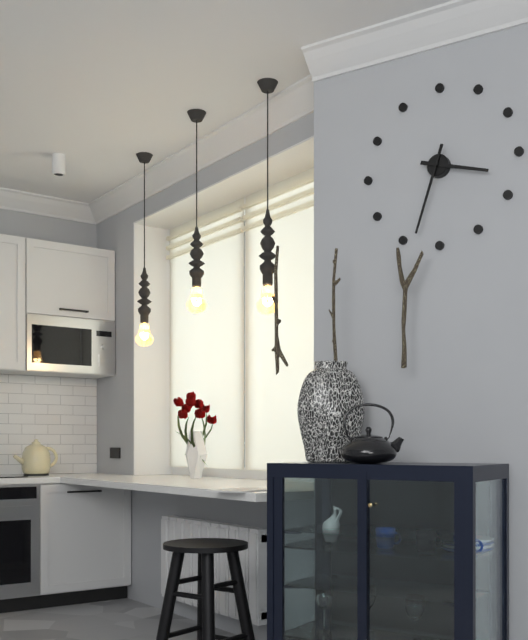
3:33
